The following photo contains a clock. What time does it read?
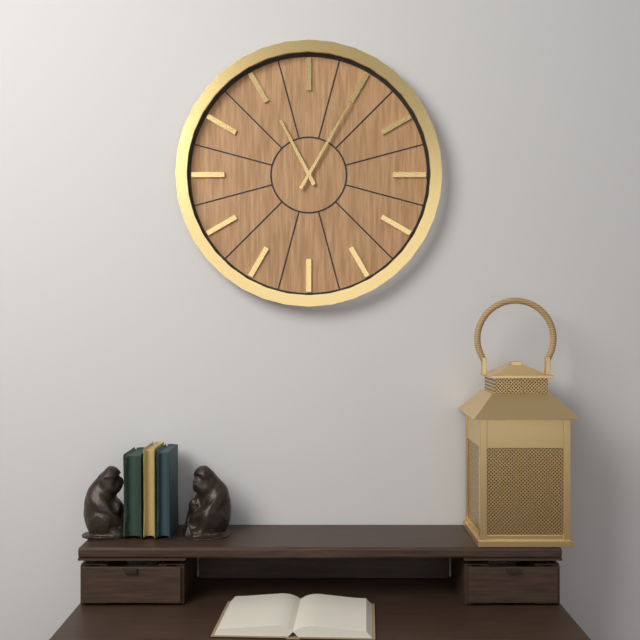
11:05
